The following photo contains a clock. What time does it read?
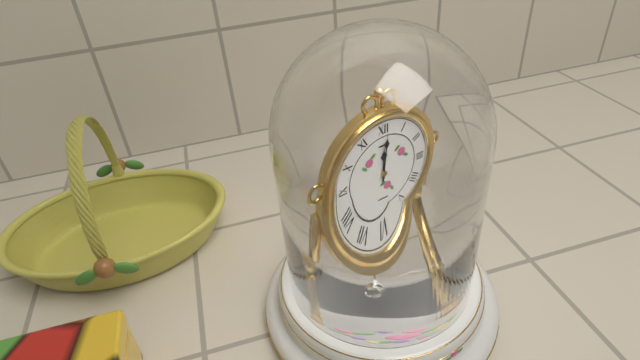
12:01
